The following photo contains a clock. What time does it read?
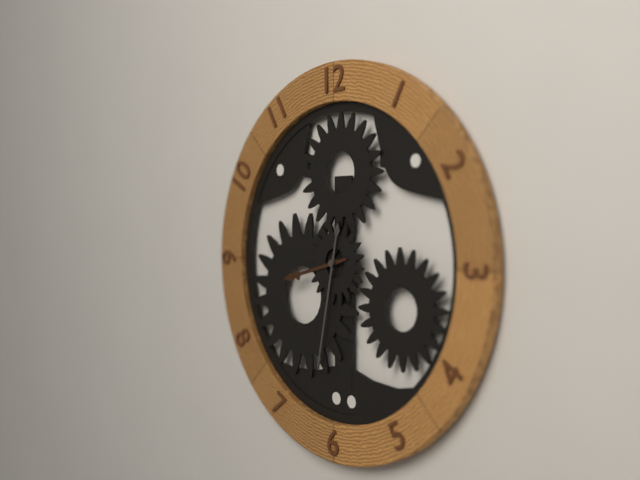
8:32
